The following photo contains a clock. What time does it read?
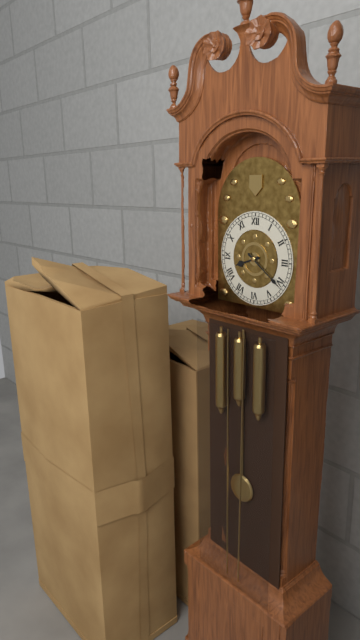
8:21
